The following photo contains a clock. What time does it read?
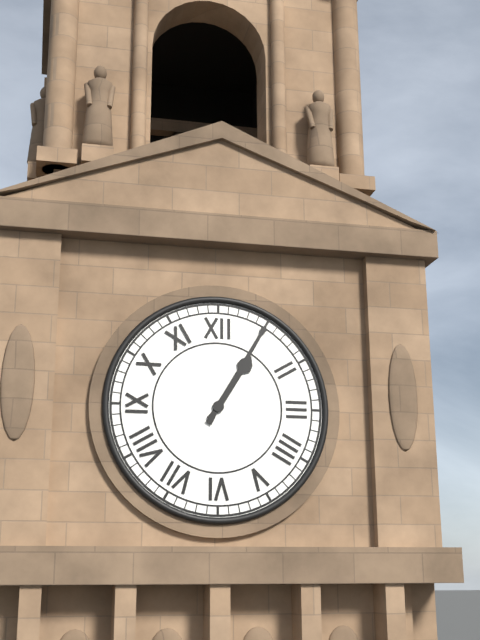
1:05
